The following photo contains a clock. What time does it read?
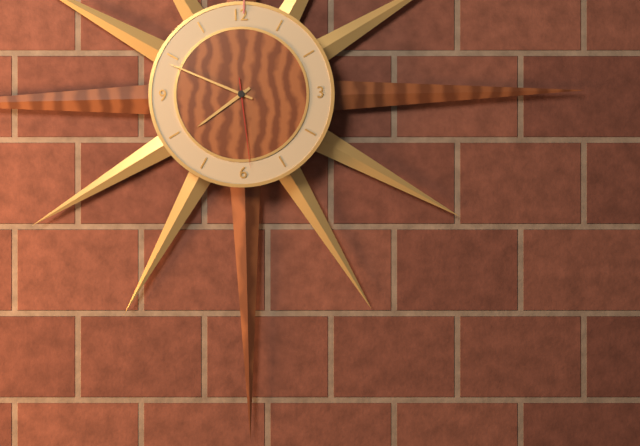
7:49:29
